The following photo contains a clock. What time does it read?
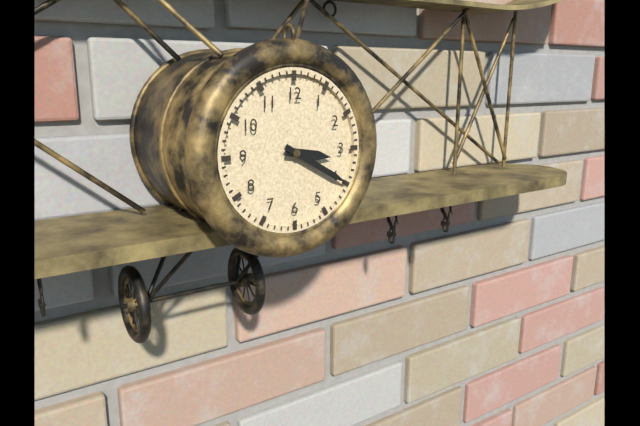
3:20
